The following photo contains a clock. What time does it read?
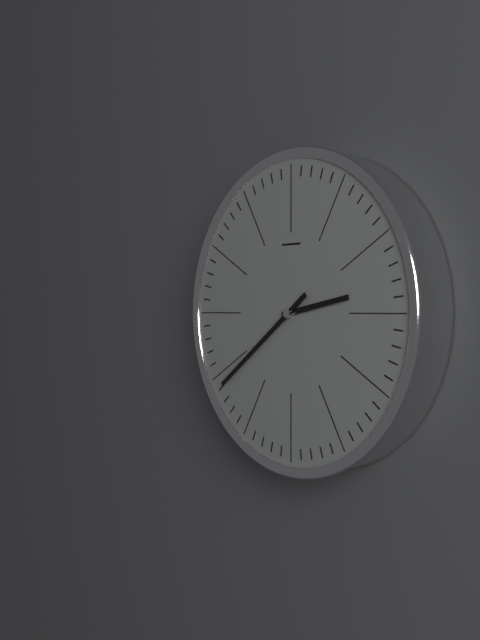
2:39
